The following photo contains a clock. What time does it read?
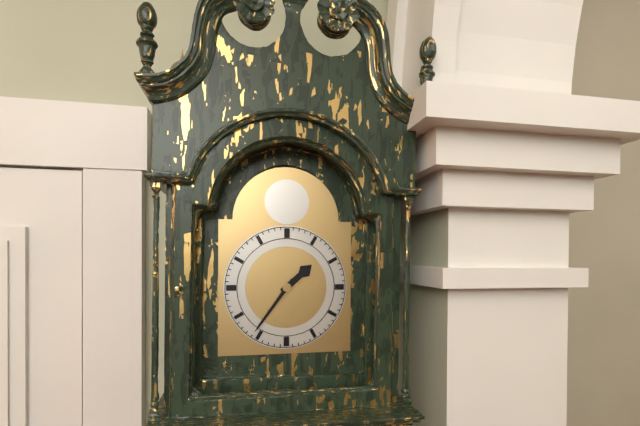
1:36
